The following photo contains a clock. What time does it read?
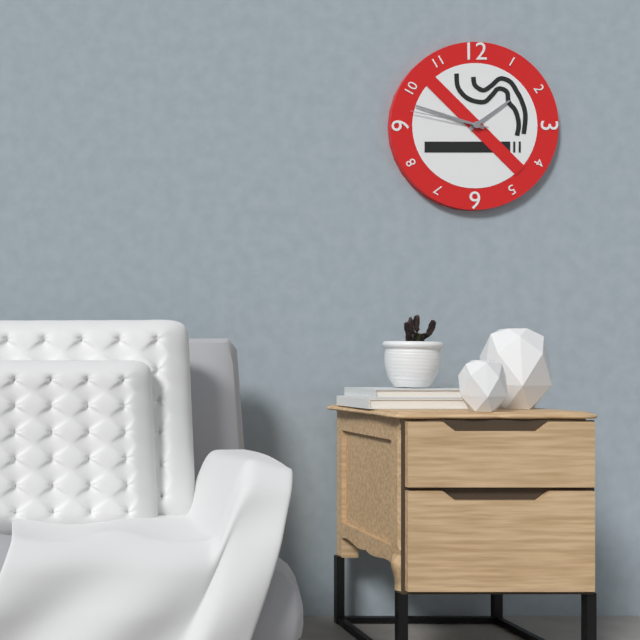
1:48:47
